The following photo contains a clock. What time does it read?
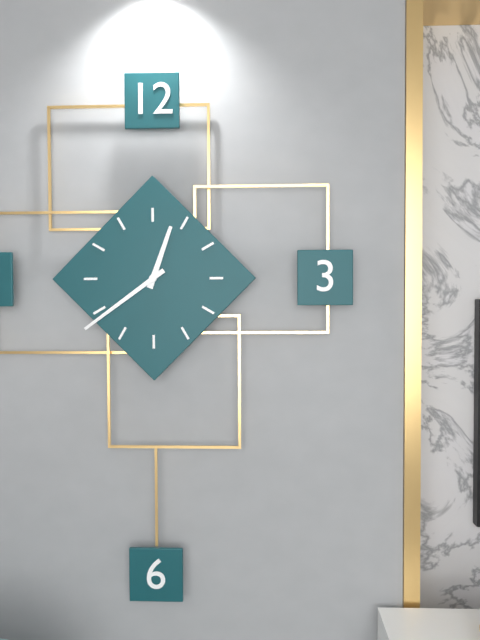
12:39
